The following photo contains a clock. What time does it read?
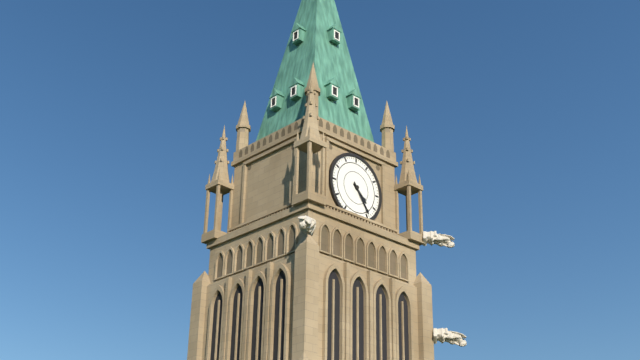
4:24
